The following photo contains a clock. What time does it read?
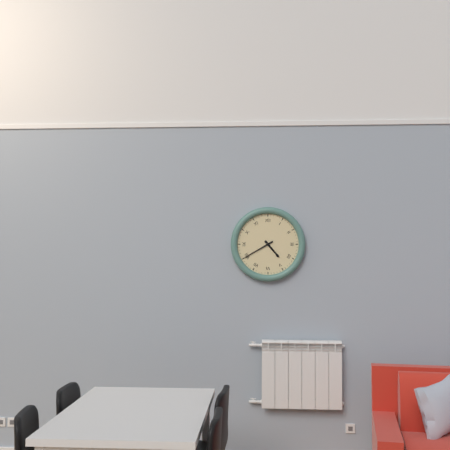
4:40
